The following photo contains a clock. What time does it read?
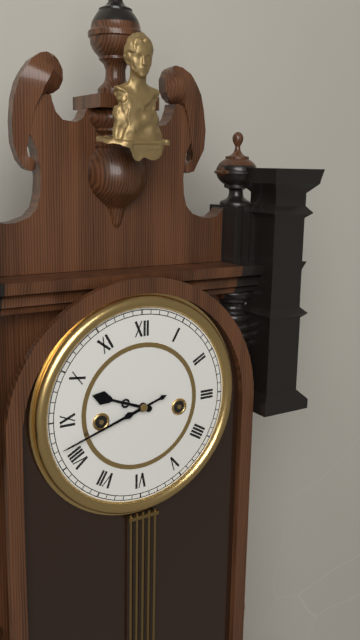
9:42
